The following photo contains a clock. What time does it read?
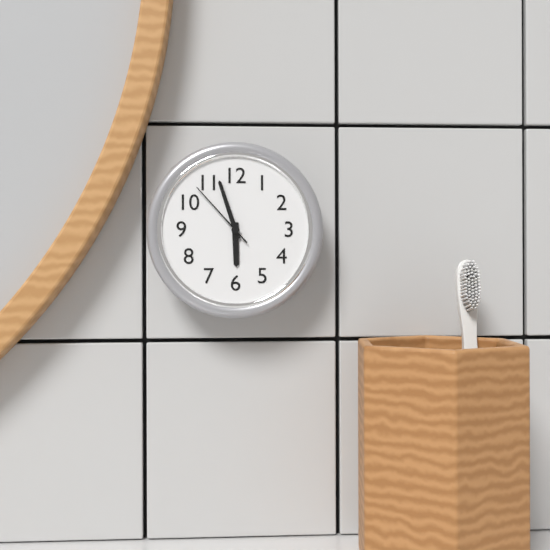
5:57:53
